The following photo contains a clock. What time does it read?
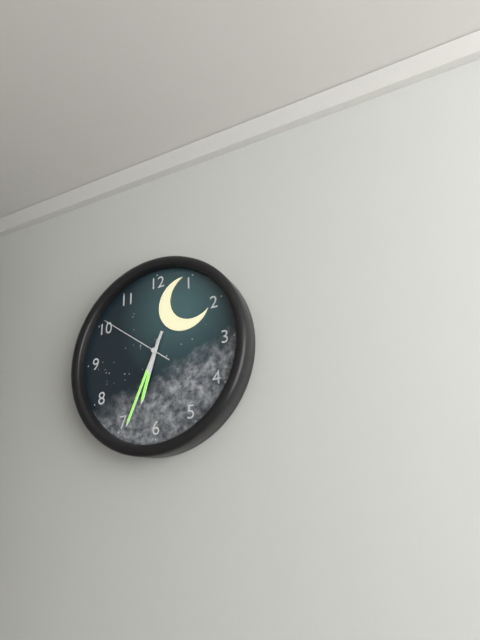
6:34:51
